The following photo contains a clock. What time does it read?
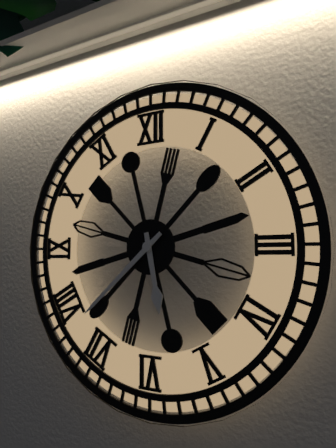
5:38
